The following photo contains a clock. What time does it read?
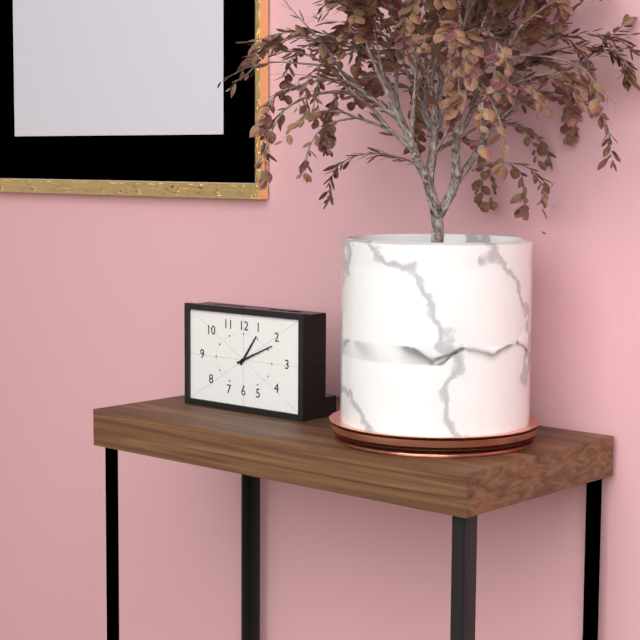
1:11
